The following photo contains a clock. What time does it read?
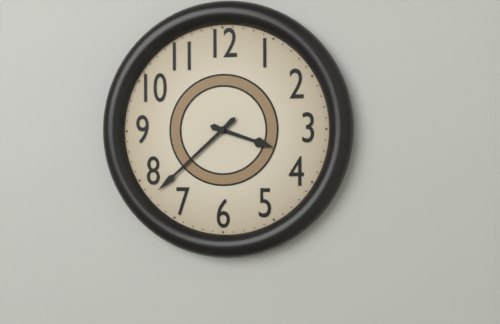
3:38
